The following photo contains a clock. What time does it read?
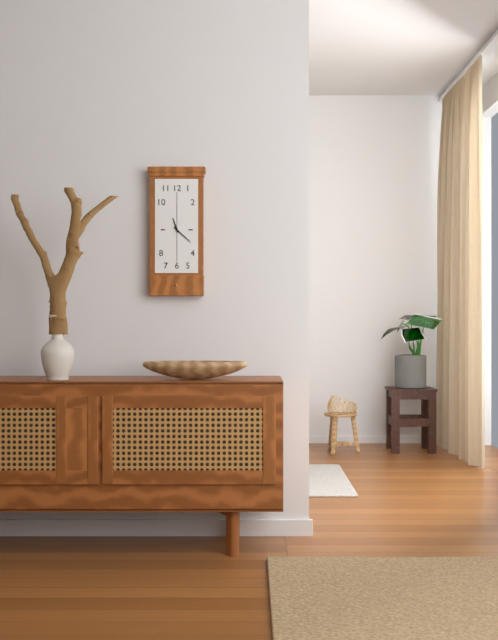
11:22
